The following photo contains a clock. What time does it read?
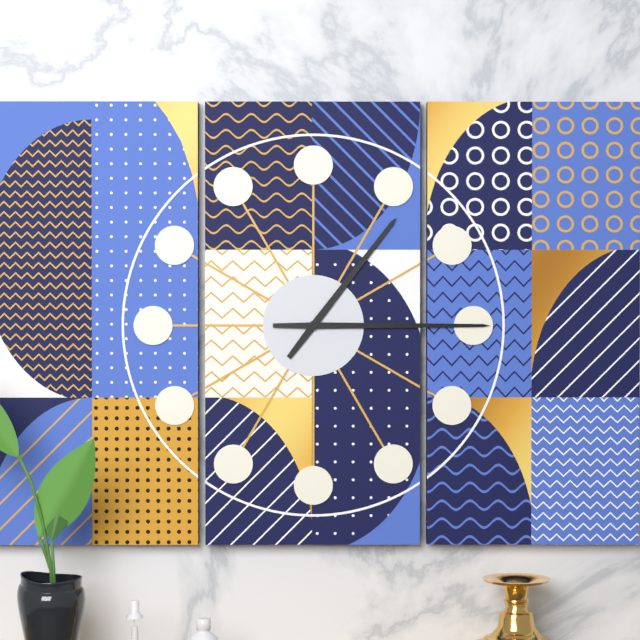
1:15
